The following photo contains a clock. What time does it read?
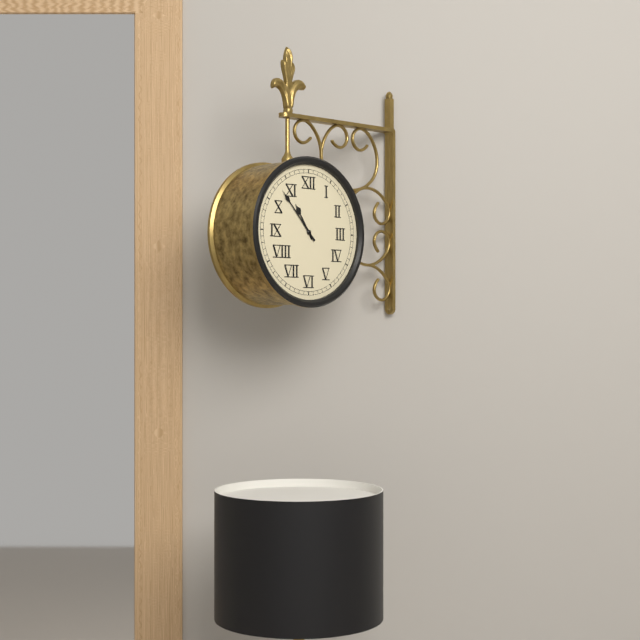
10:53
